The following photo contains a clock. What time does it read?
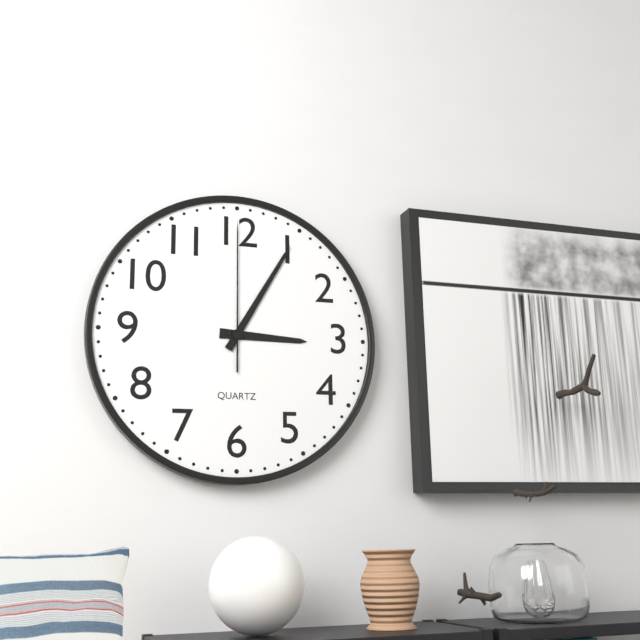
3:05:00
